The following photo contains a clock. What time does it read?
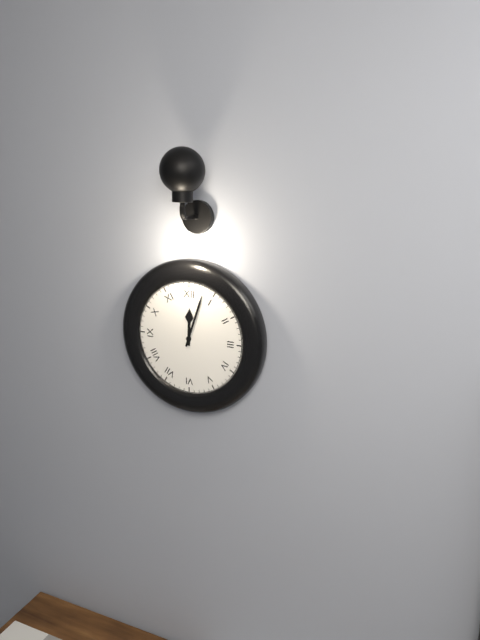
12:03
